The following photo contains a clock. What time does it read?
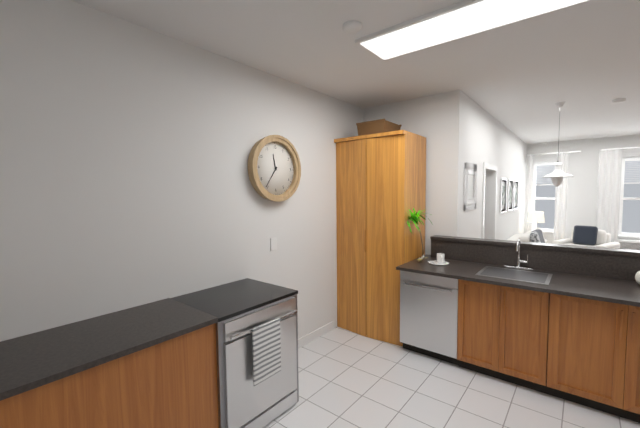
11:36
